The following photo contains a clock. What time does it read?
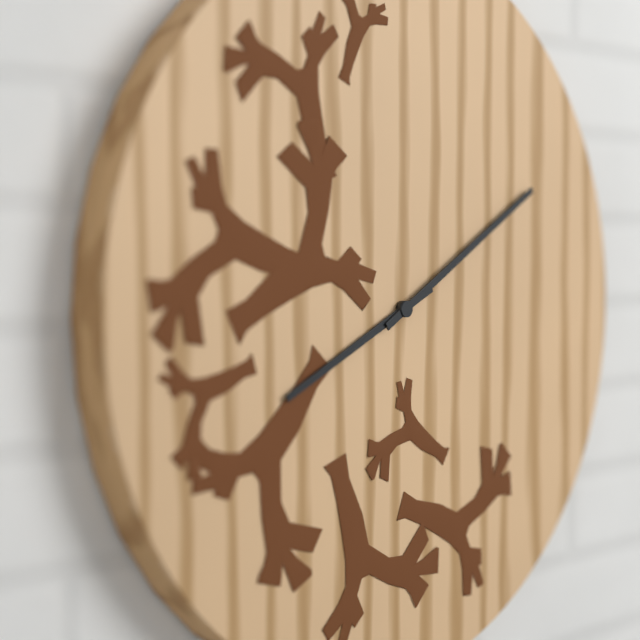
8:10
